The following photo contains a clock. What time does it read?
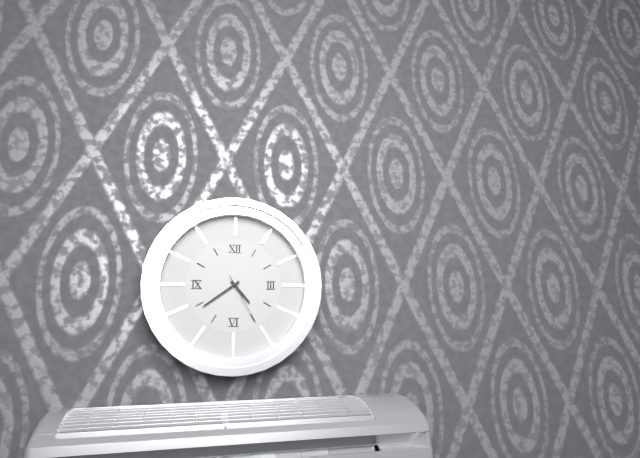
4:39:25
